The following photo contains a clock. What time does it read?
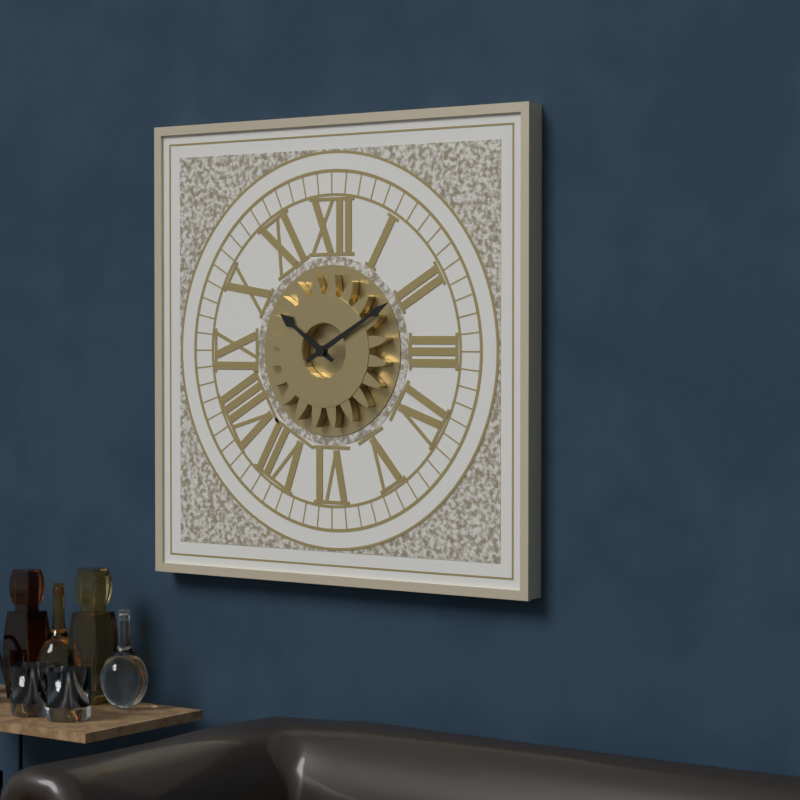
10:10
